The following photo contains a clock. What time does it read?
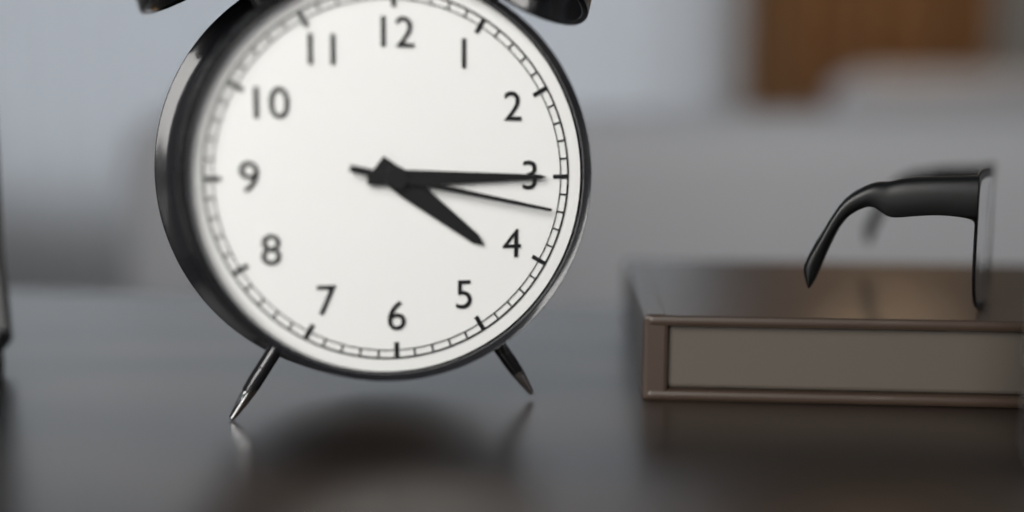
4:15:17
